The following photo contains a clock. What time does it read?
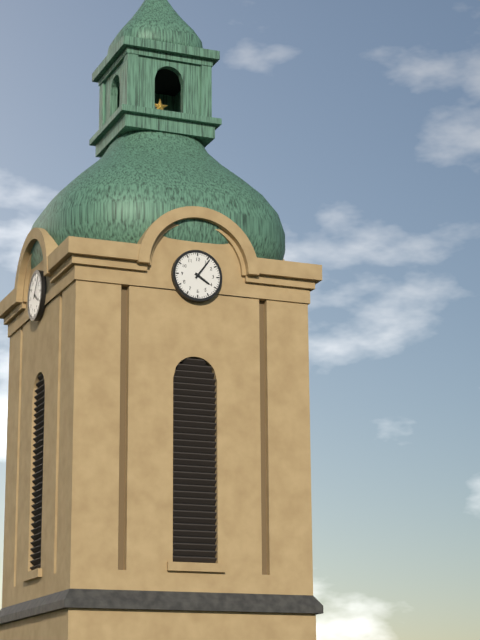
4:06
